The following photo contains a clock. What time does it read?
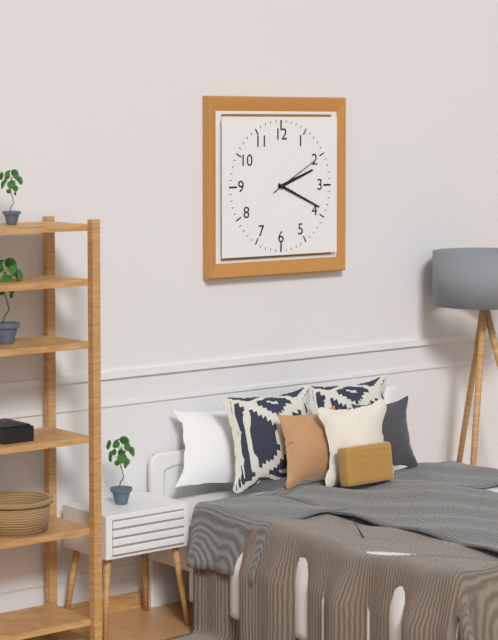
2:19:10
